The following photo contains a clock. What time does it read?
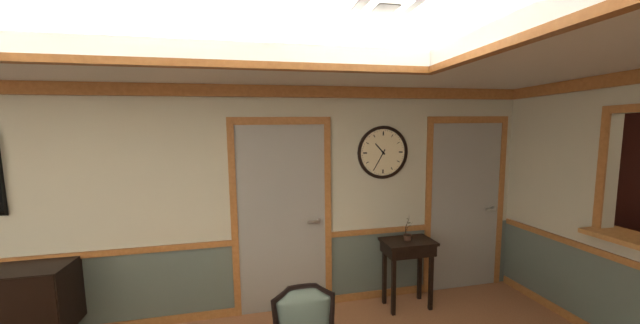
10:35
